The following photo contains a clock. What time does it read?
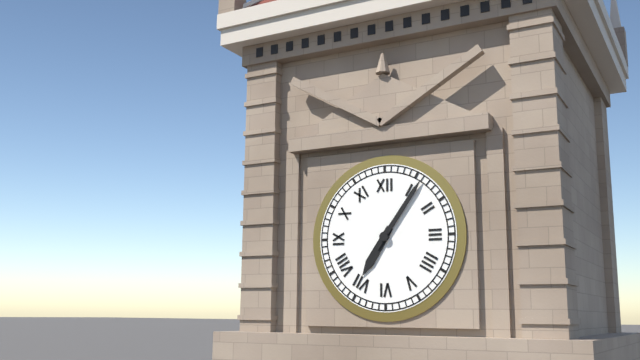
7:06
